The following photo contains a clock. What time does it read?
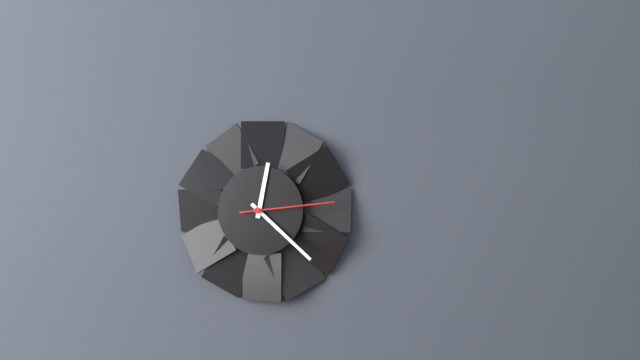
12:22:14
